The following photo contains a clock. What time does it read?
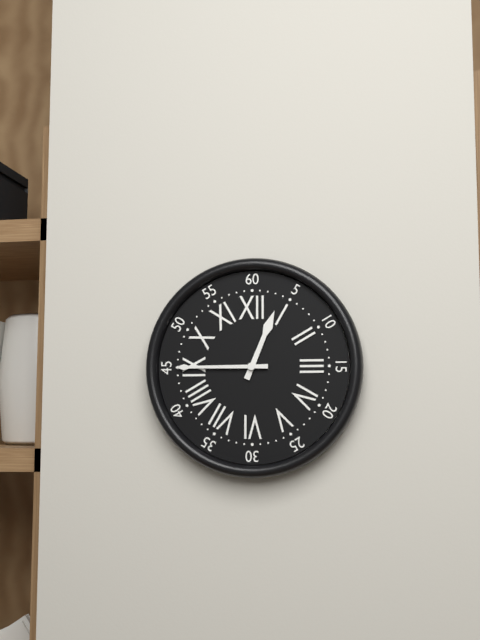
12:45
